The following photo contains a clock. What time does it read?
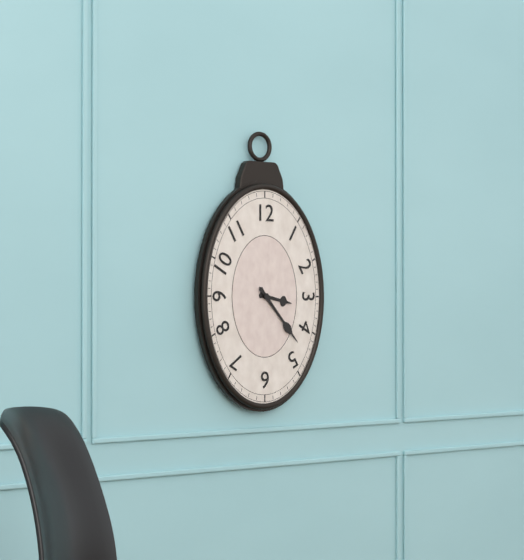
3:23
